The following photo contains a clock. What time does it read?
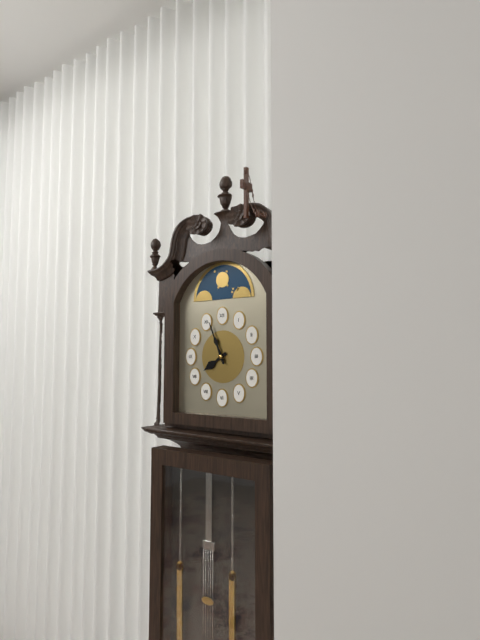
7:56
